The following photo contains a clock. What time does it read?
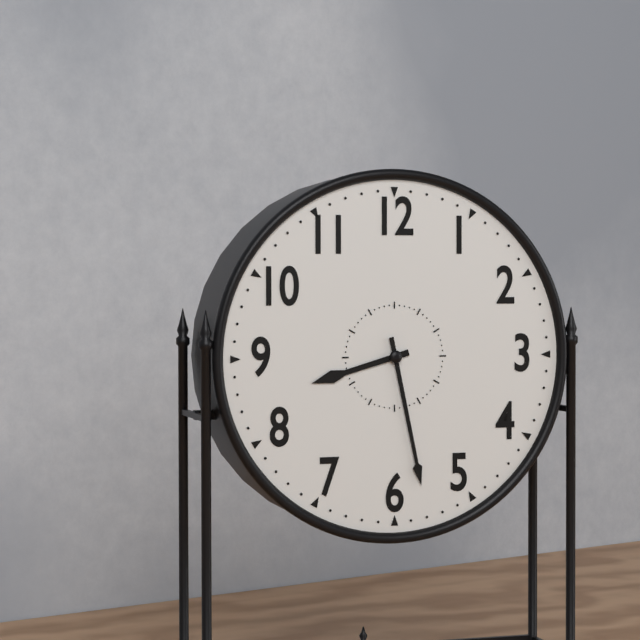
8:28
